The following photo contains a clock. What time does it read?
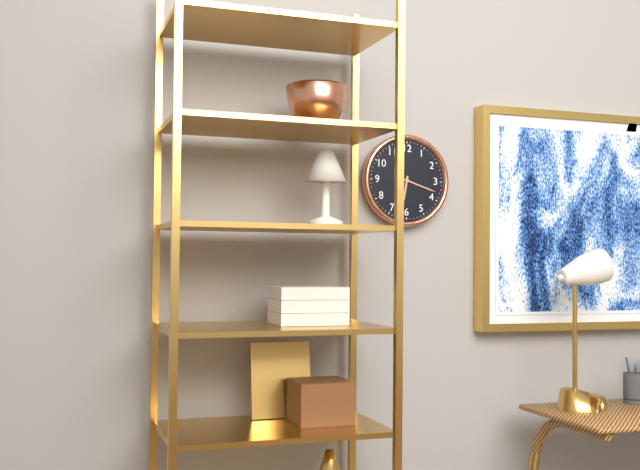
6:18
